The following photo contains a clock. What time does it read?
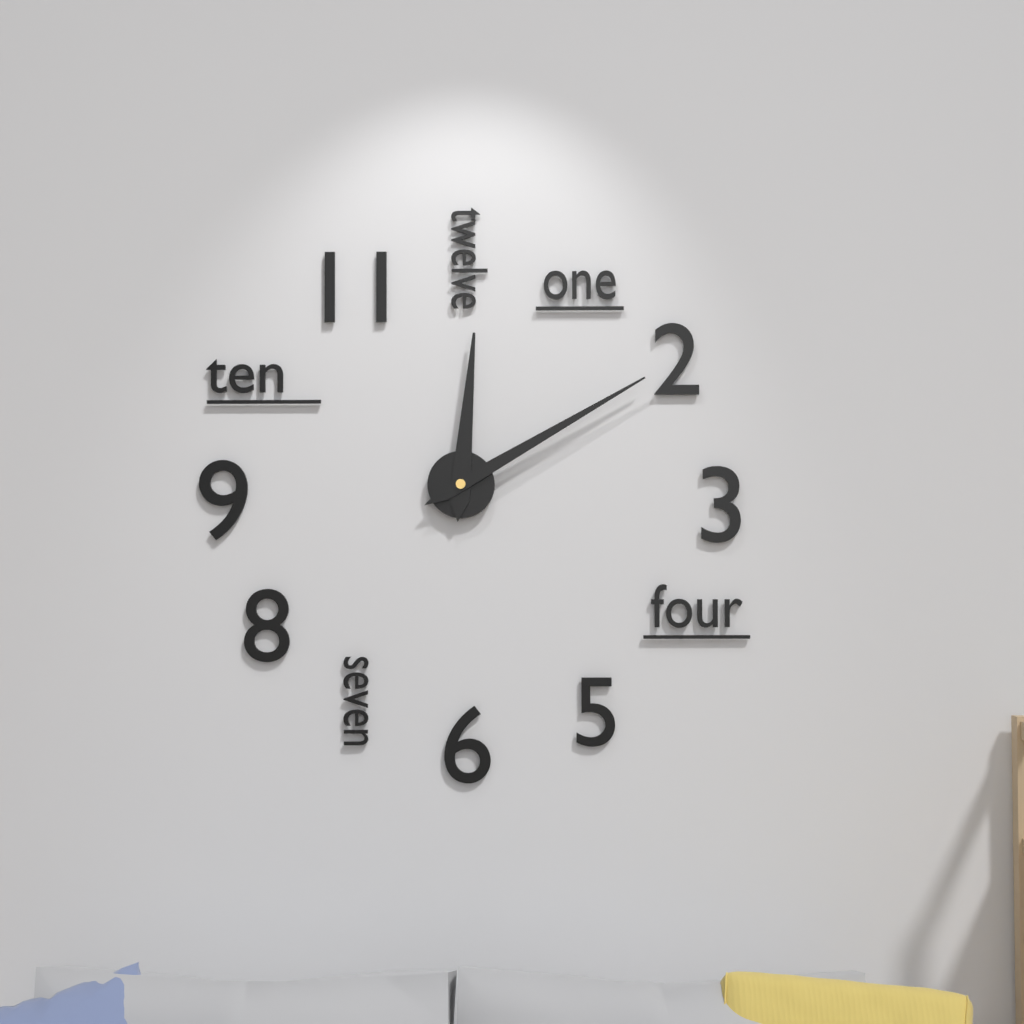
12:10
